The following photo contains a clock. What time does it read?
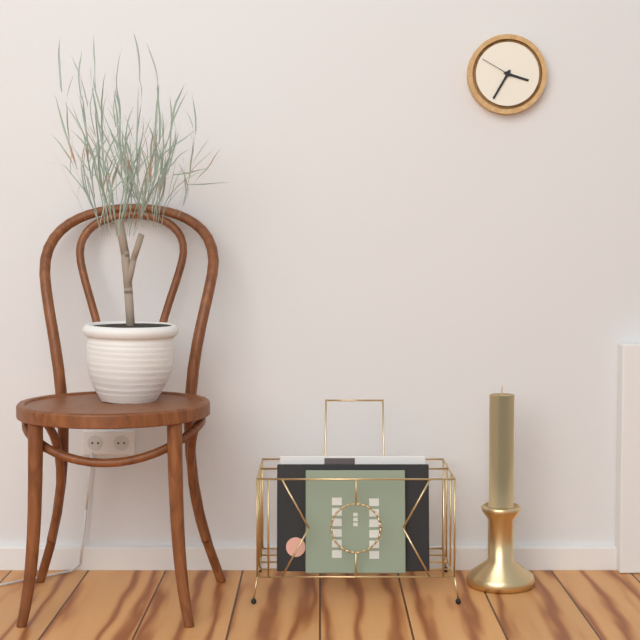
3:35
